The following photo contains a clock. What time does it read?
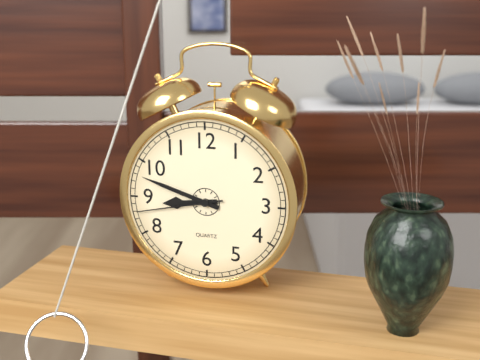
8:48:43
